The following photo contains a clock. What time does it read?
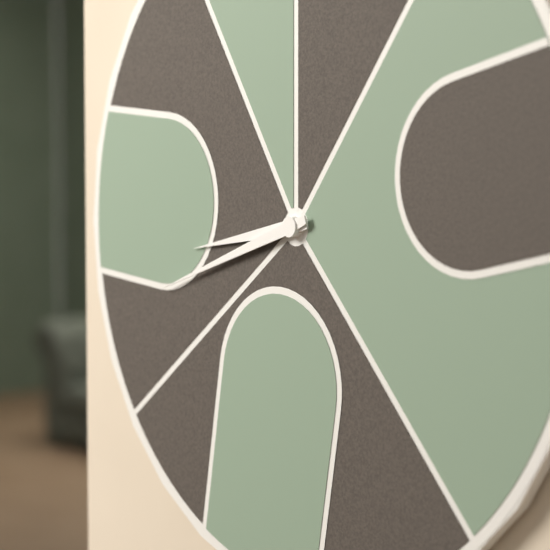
8:42
